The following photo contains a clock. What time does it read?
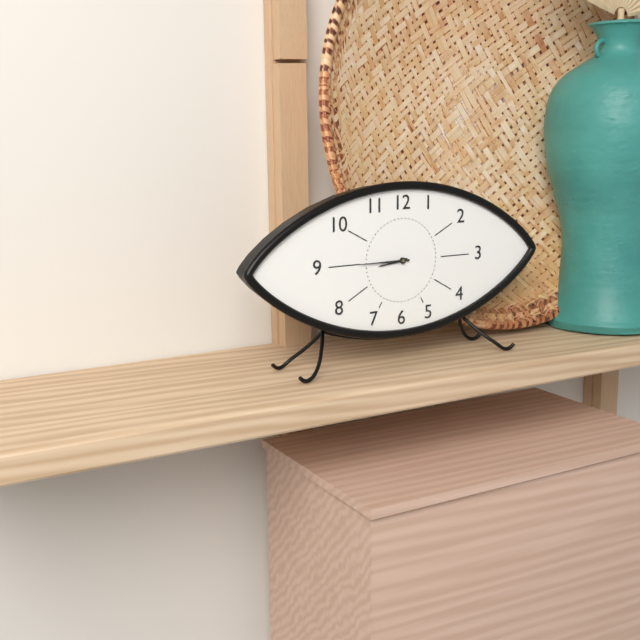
8:45
